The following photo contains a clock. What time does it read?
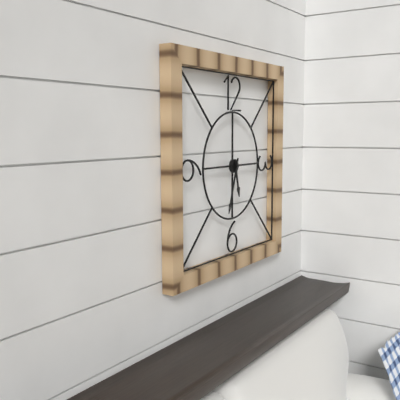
5:33
